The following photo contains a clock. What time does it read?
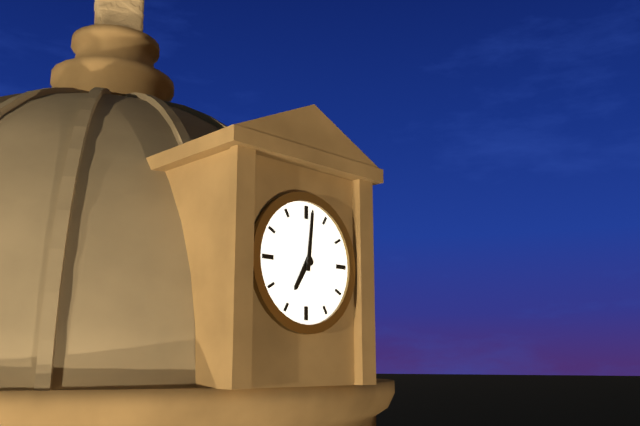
7:01
